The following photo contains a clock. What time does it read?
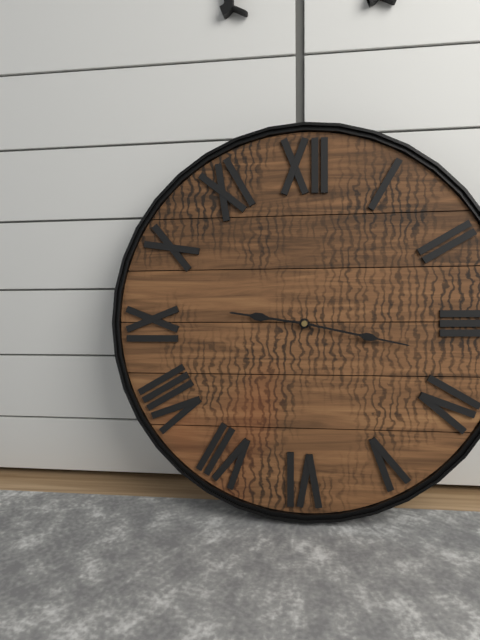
9:17
